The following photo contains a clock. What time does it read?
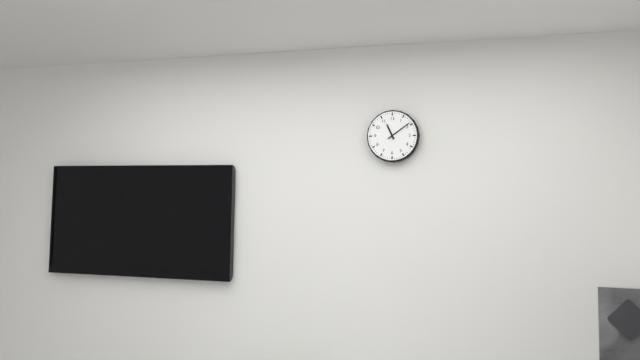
11:09
